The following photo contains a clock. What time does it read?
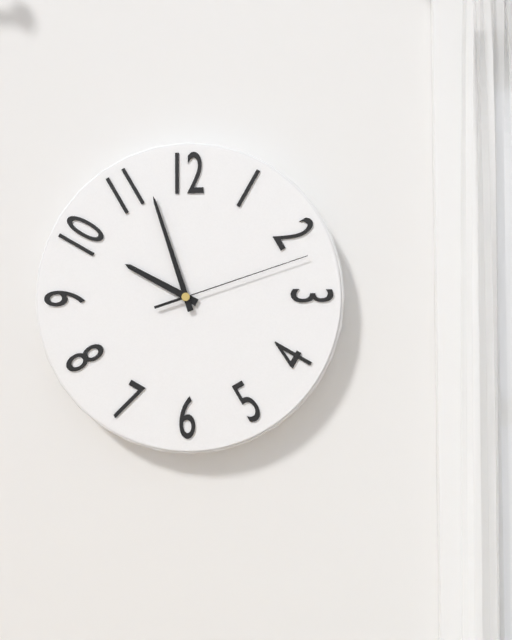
9:57:12
